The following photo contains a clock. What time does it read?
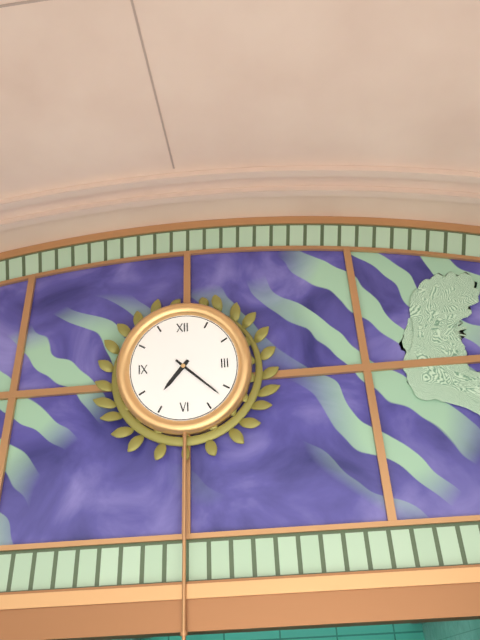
7:22
